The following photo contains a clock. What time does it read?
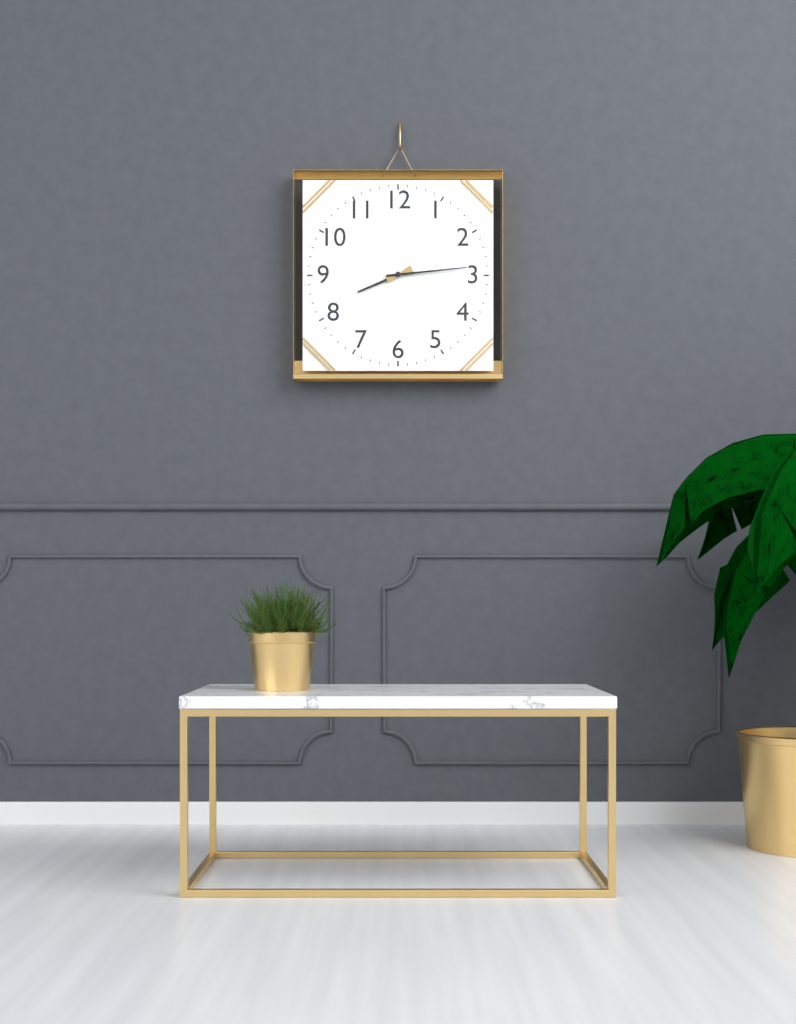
8:14
